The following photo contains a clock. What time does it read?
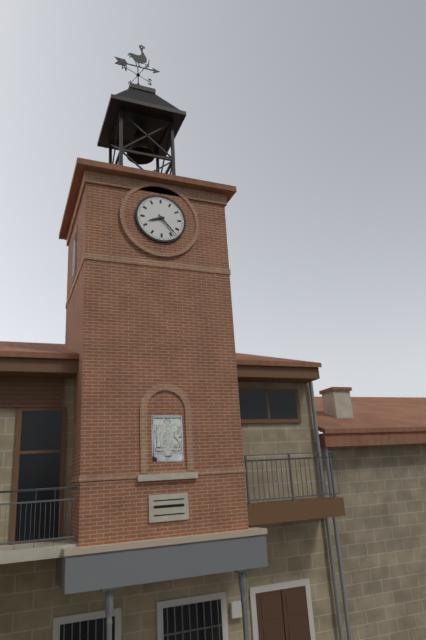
8:23
